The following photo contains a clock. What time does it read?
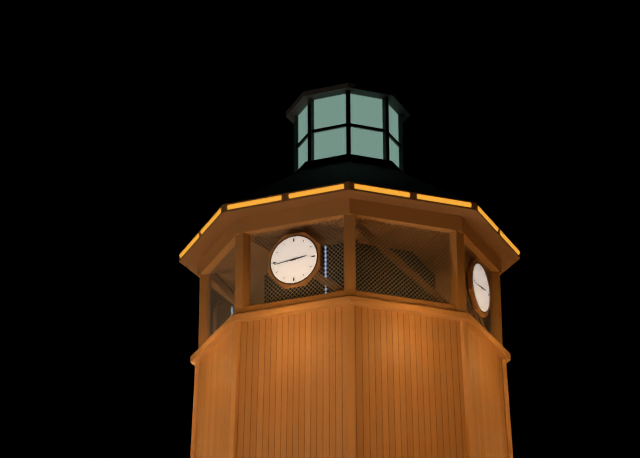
2:44
